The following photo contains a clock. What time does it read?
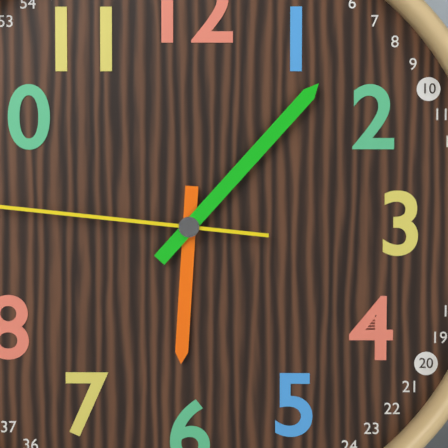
6:07
